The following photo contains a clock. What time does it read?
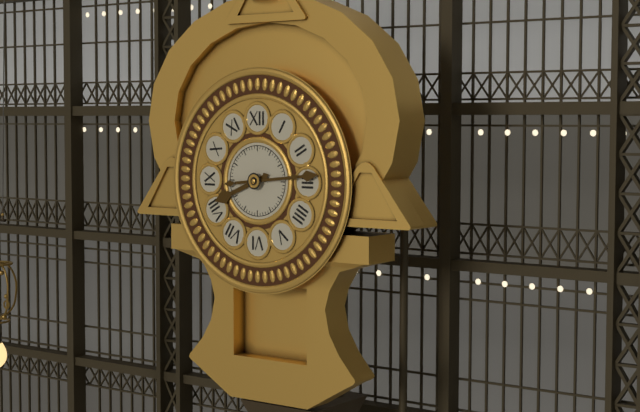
8:14
